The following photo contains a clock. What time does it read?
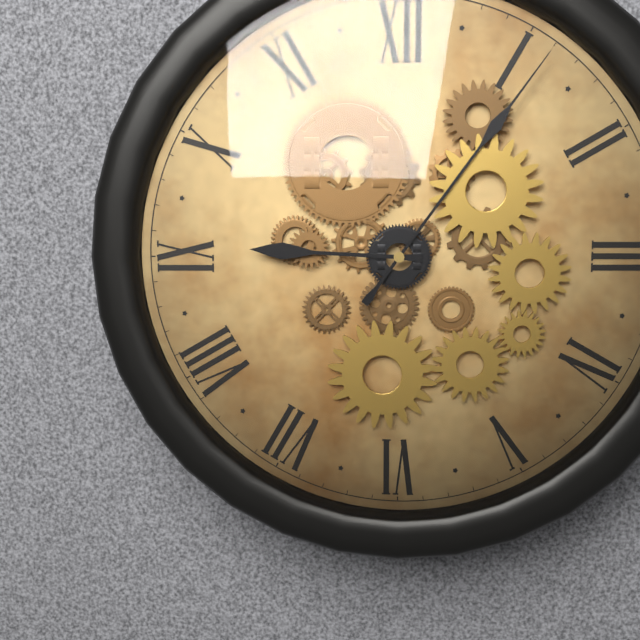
9:06
